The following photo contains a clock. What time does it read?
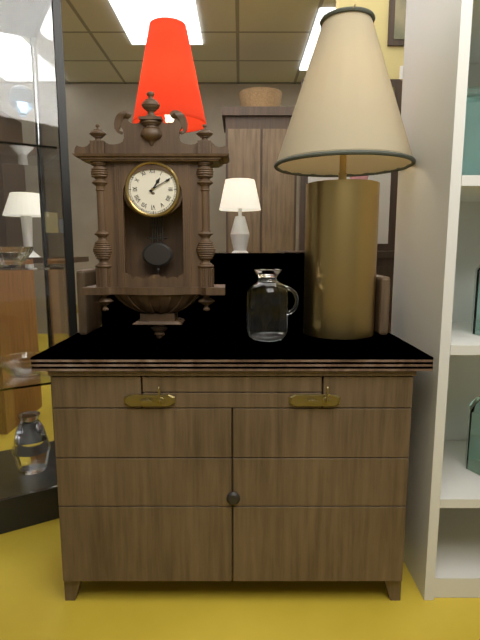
1:10
